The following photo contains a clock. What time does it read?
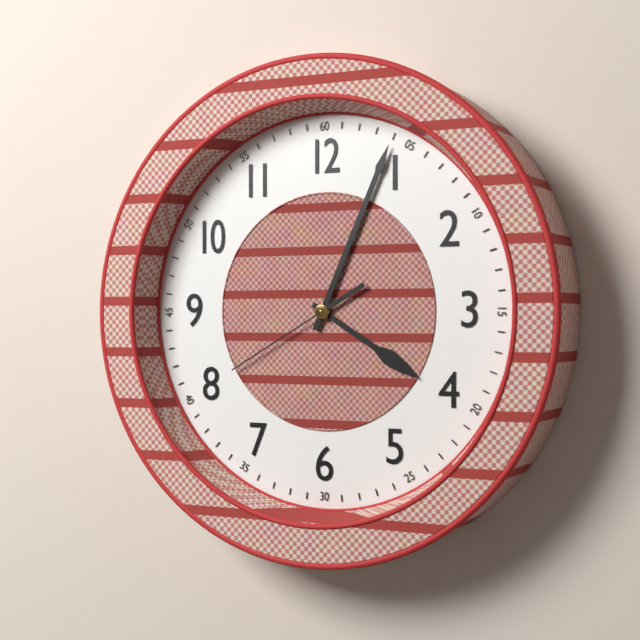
4:04:40
